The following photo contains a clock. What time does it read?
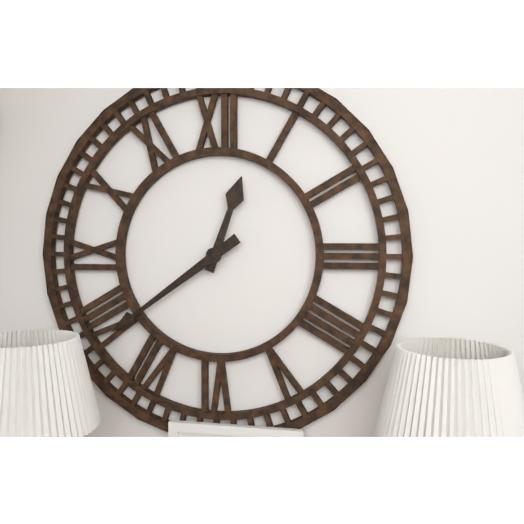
12:39
